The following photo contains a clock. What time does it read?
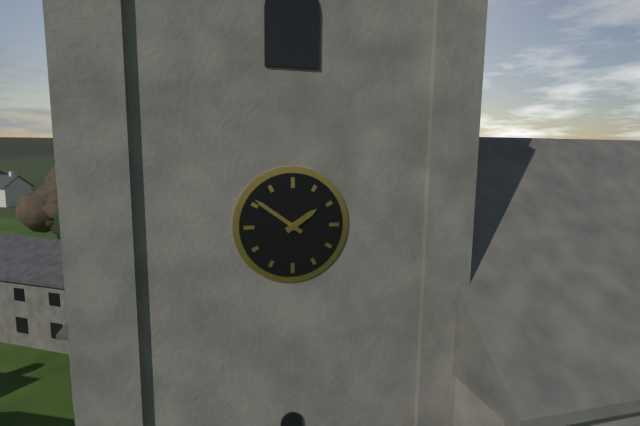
1:51
